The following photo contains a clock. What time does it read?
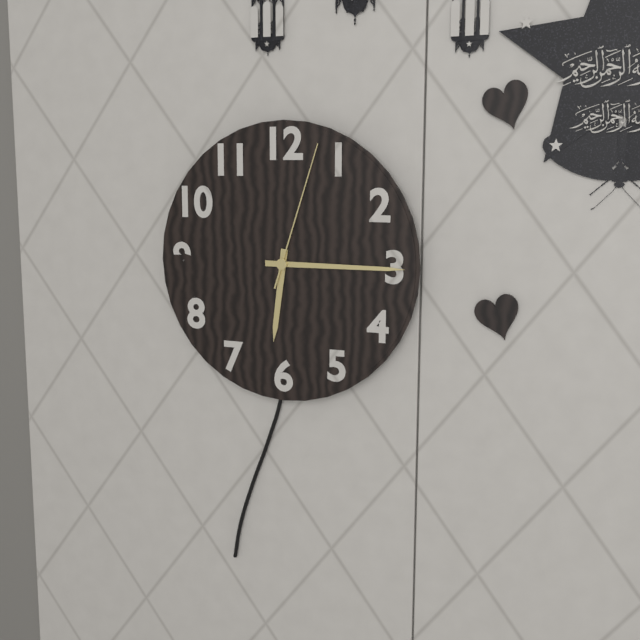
6:15:03
